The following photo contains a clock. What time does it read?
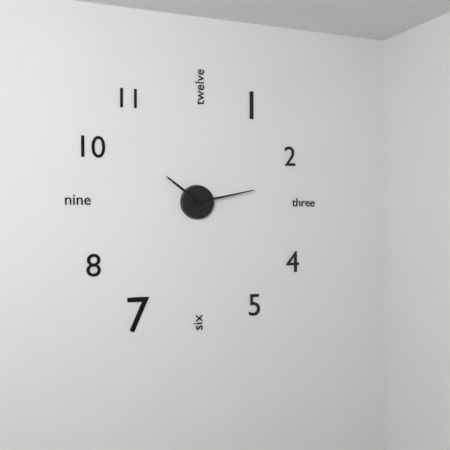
10:13
